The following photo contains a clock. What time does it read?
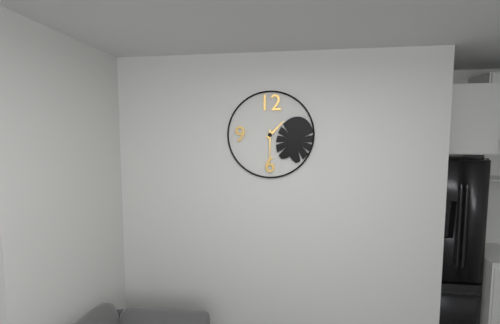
1:30
